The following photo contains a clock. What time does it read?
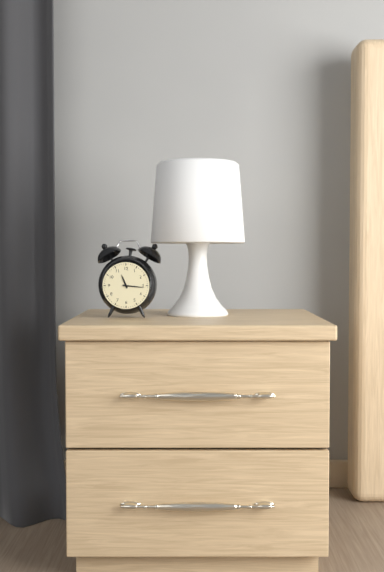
11:16
